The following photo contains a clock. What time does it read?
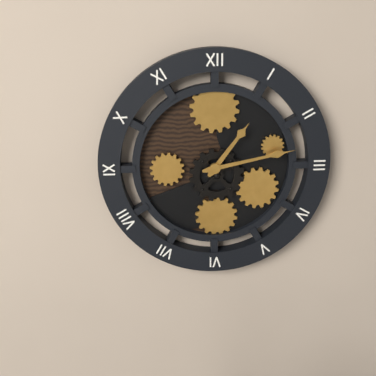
1:13
